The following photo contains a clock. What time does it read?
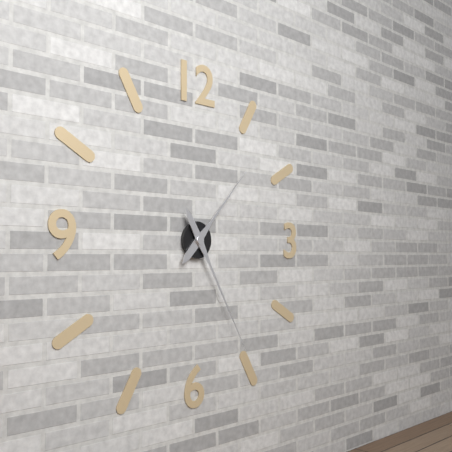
1:25
